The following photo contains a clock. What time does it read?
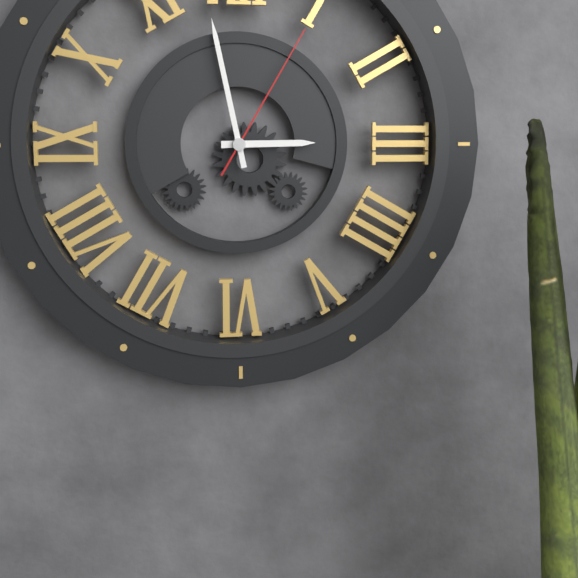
2:58:05
